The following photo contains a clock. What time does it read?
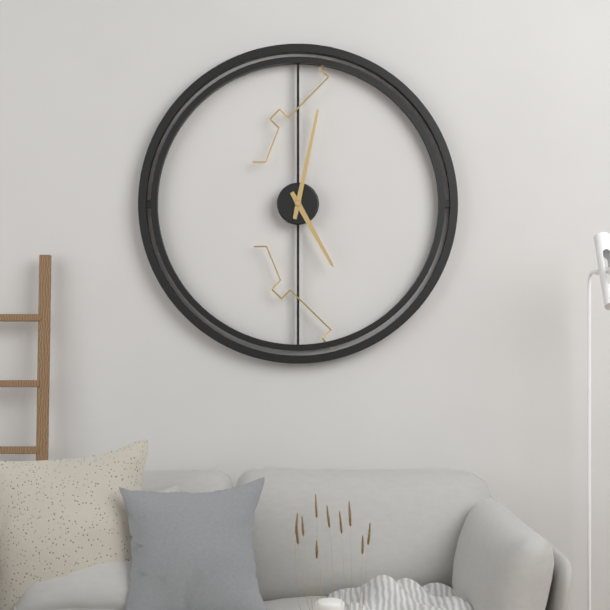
5:02
